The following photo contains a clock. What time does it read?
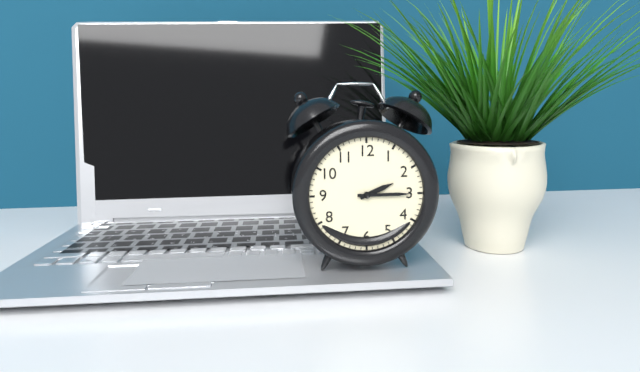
2:15
